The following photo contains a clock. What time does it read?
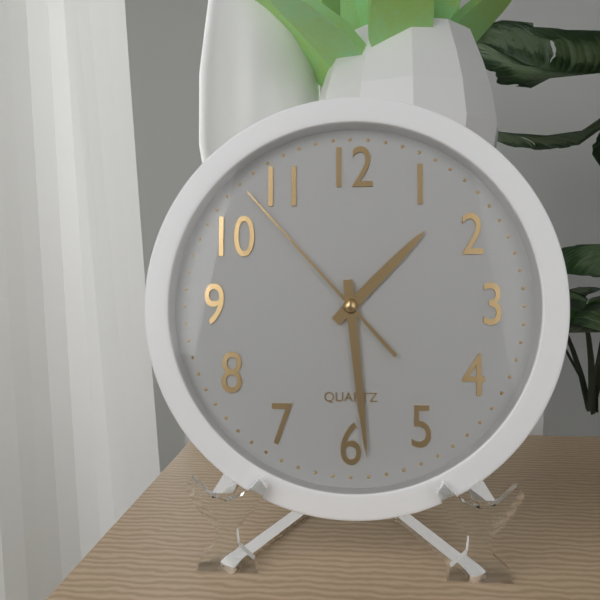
1:29:53
